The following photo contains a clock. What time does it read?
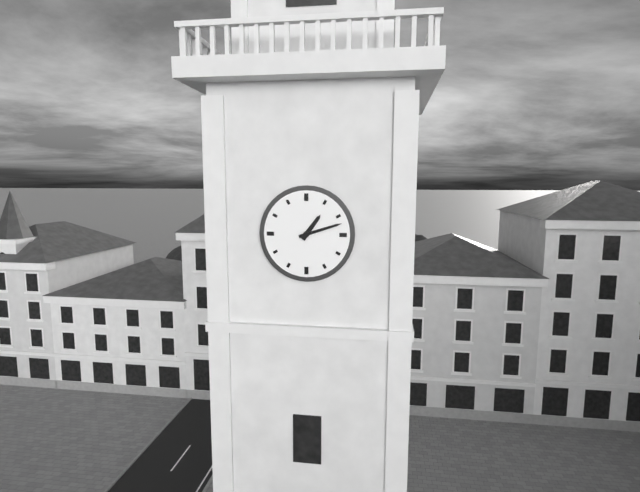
1:12
